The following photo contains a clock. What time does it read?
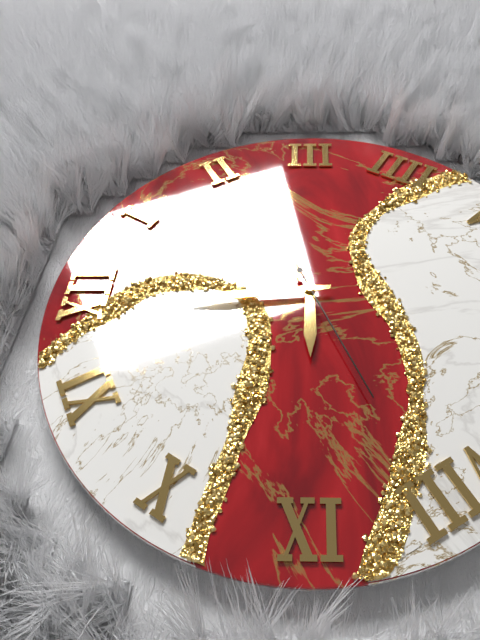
8:59:41
